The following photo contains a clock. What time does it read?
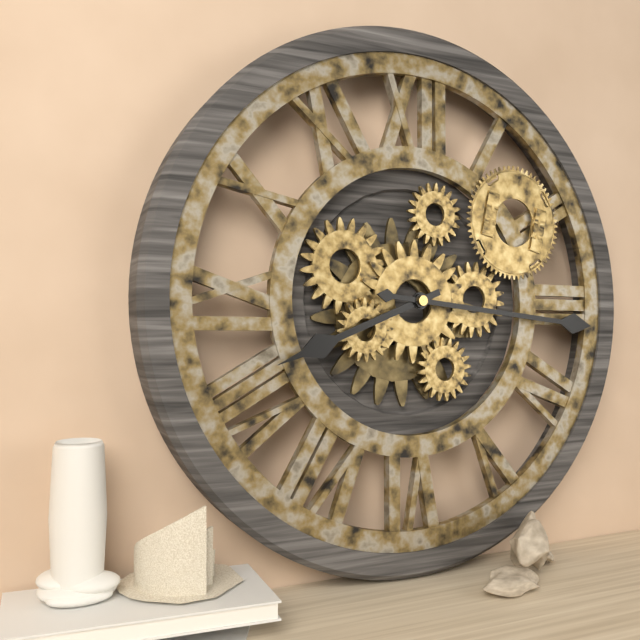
8:16
